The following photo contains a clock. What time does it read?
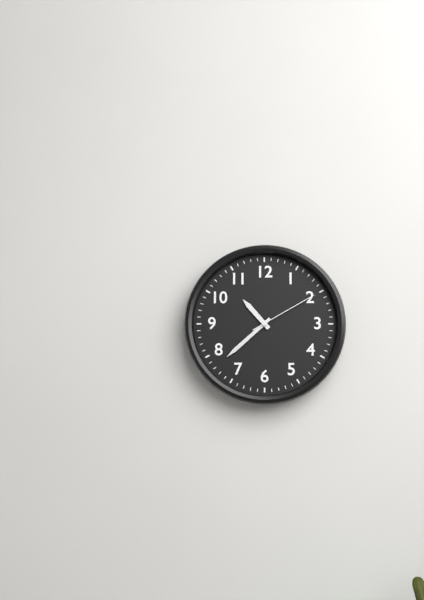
10:38:10
